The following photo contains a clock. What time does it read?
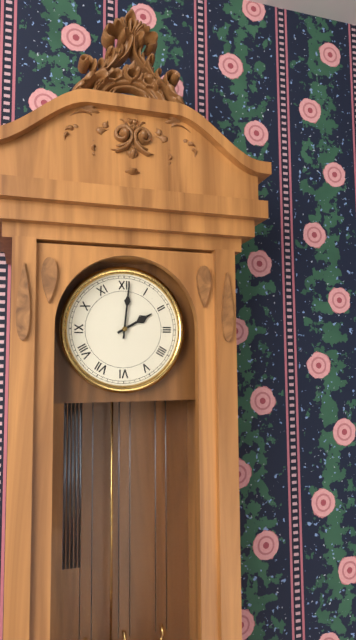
2:01
